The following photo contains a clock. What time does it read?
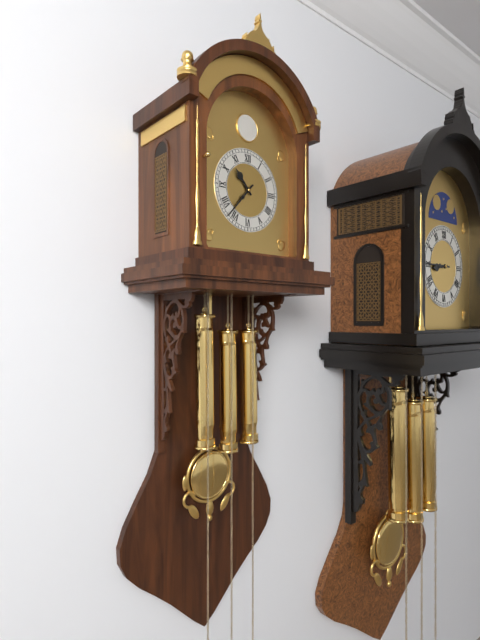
10:37
